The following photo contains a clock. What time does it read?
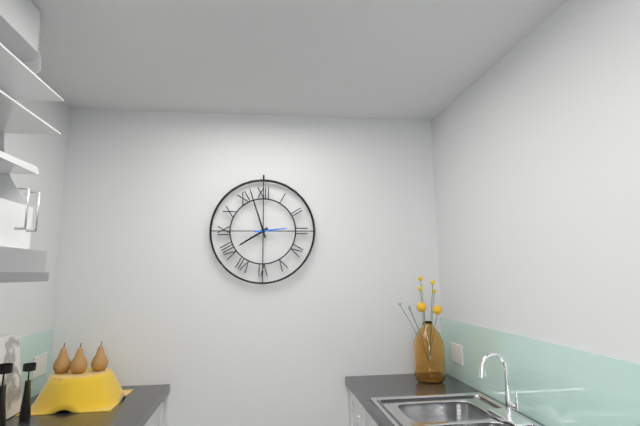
7:57
